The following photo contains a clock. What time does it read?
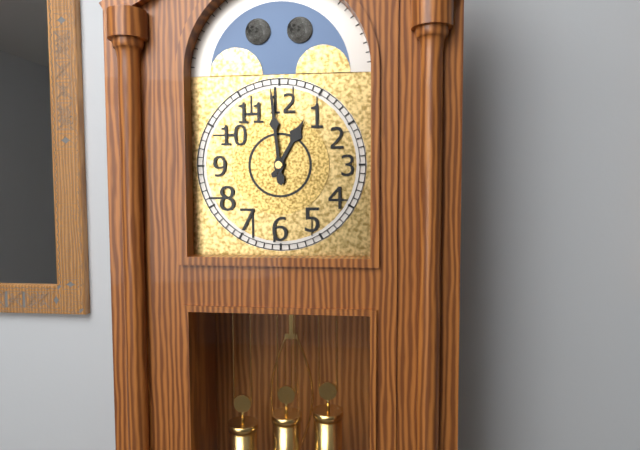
12:59
